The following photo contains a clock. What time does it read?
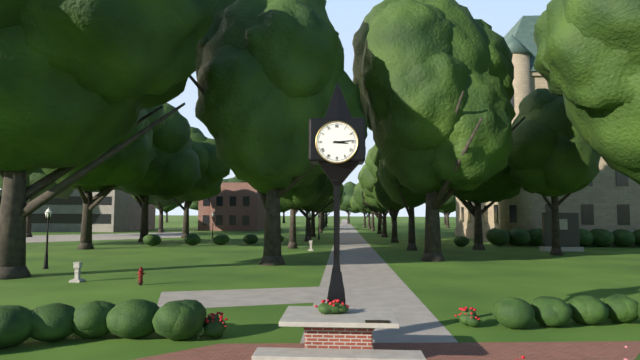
3:14
